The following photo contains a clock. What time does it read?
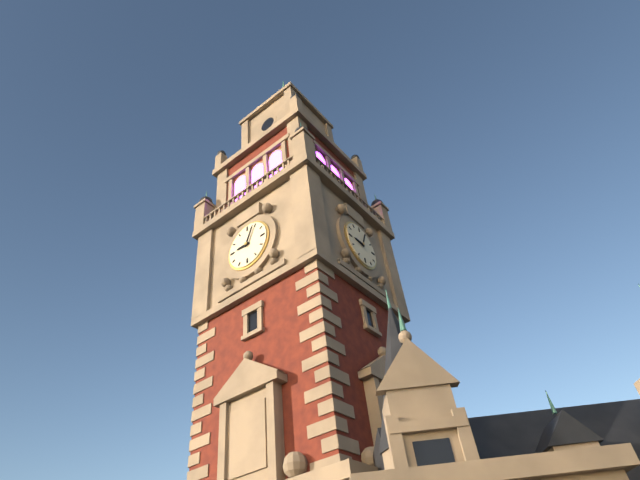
9:04
